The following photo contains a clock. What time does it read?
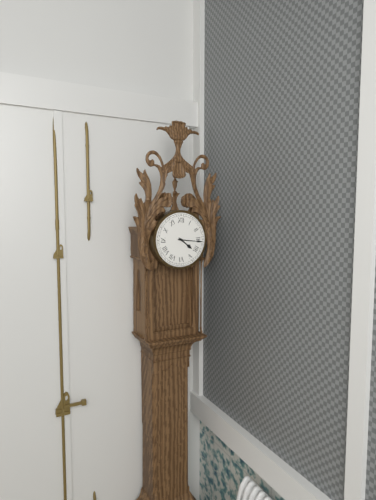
4:16
